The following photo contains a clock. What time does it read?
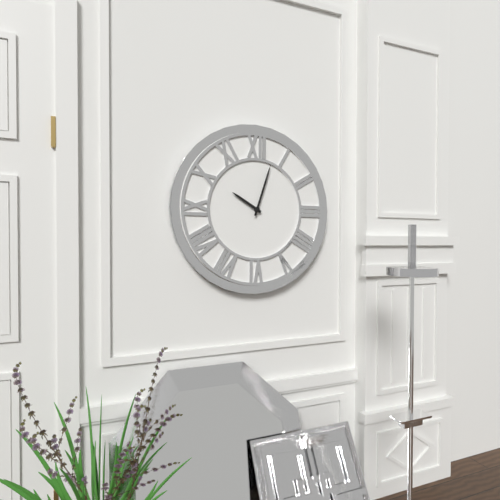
10:03
